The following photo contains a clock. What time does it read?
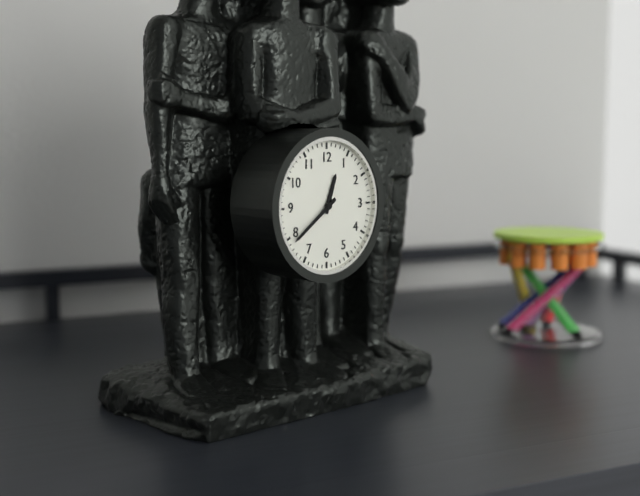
12:39
